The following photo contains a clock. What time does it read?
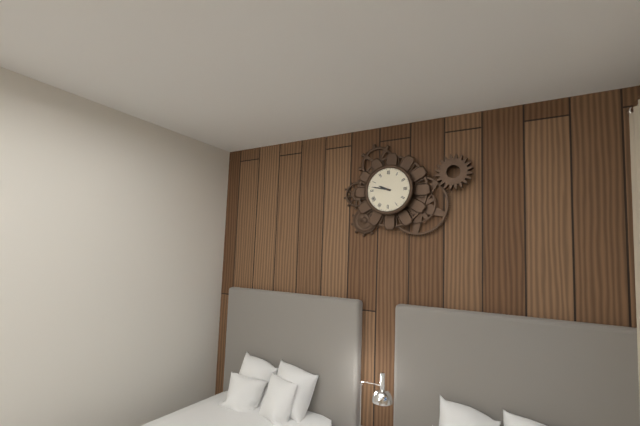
9:47
